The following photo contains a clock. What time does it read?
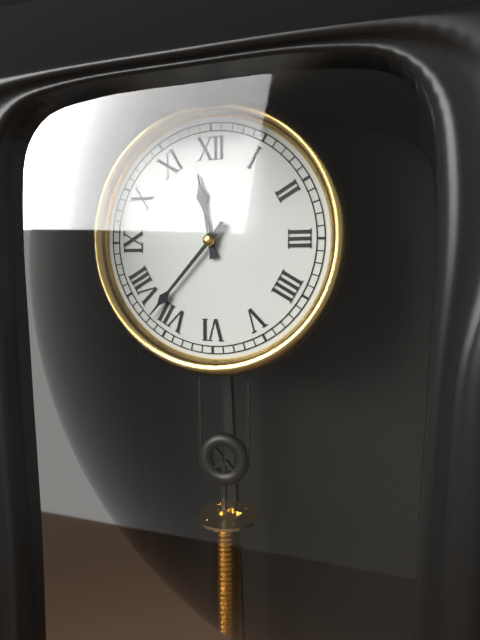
11:37
